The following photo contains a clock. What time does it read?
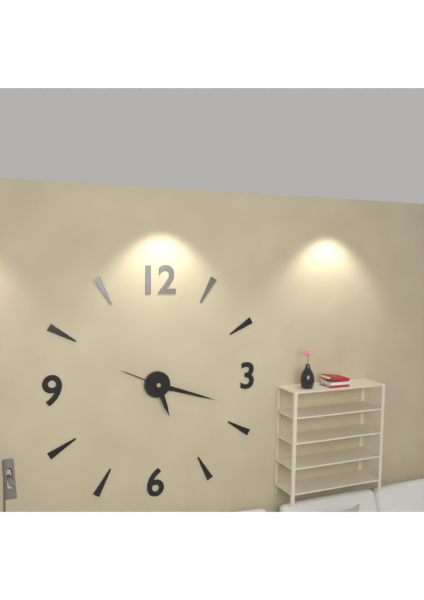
5:18
